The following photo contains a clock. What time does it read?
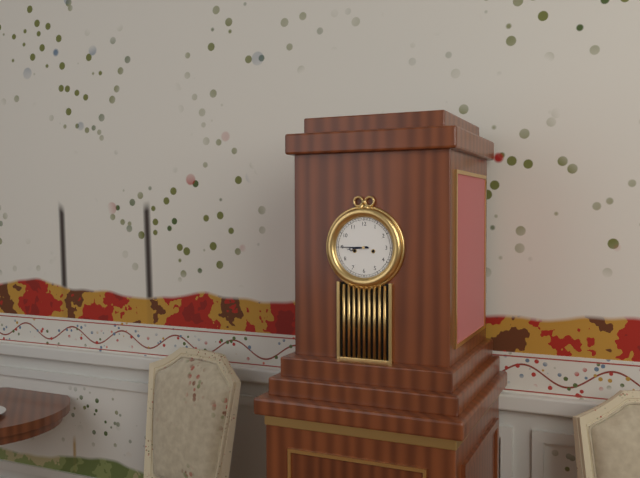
8:45
